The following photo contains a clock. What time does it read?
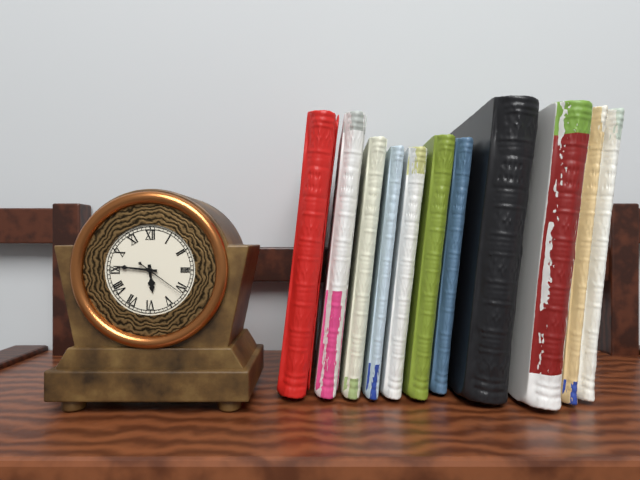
5:46
